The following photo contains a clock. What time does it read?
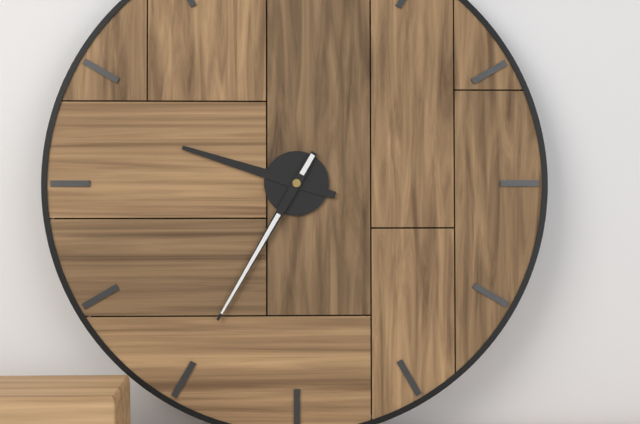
9:35
